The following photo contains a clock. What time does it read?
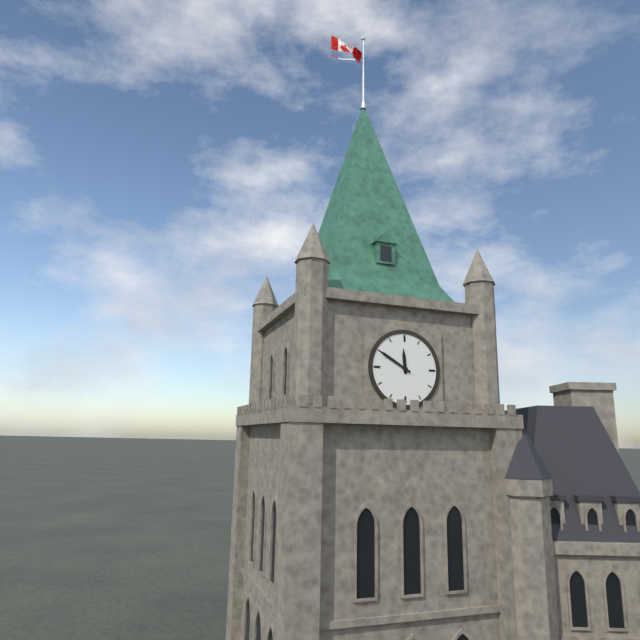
11:50
